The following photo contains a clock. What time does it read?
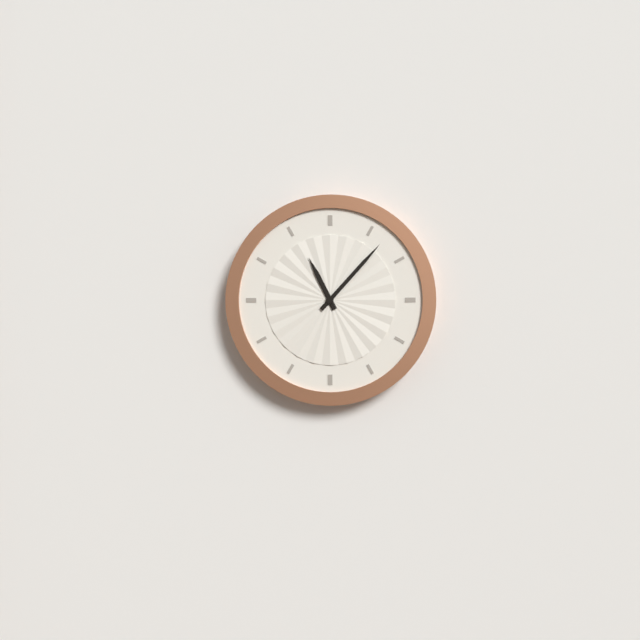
11:07
